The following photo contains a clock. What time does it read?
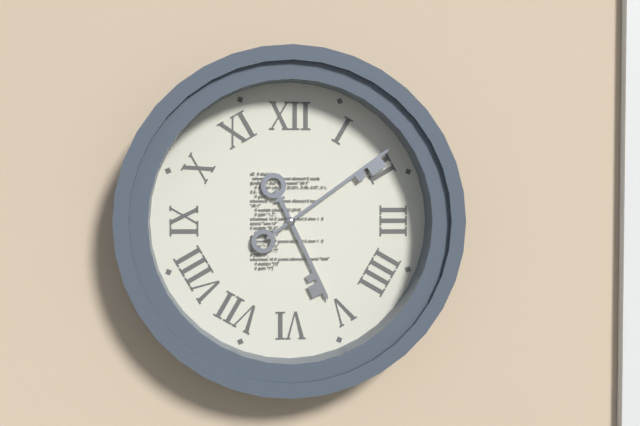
5:09
